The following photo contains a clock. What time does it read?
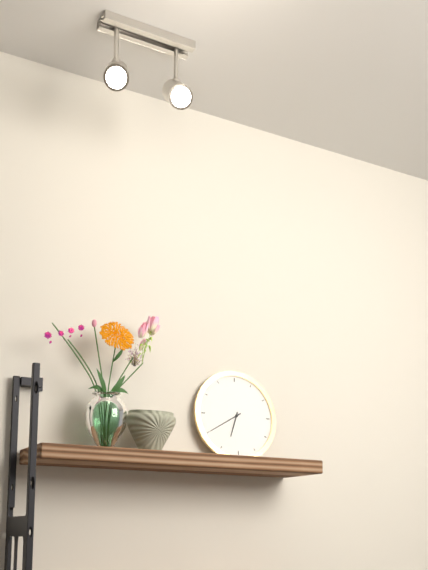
6:40
